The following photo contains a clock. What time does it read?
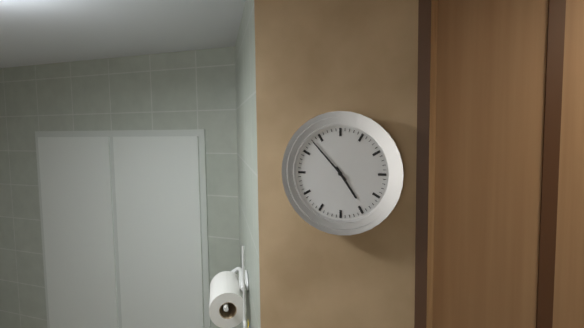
4:53
